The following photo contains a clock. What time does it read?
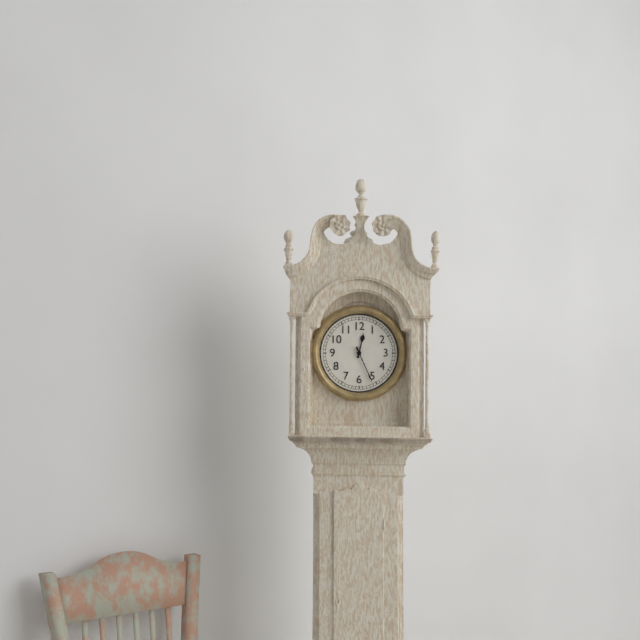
12:26
